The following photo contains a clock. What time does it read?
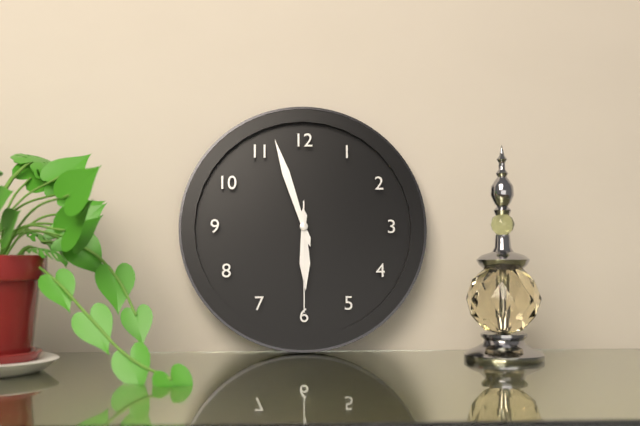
5:57:30
